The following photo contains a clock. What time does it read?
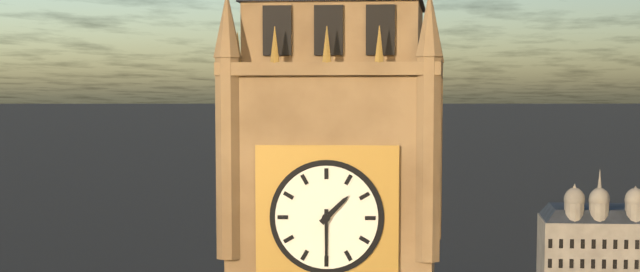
1:30
